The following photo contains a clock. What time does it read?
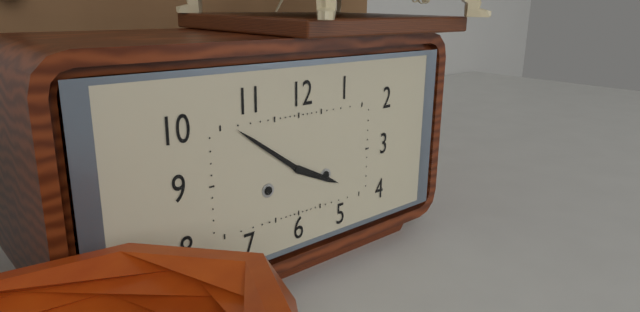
3:51
